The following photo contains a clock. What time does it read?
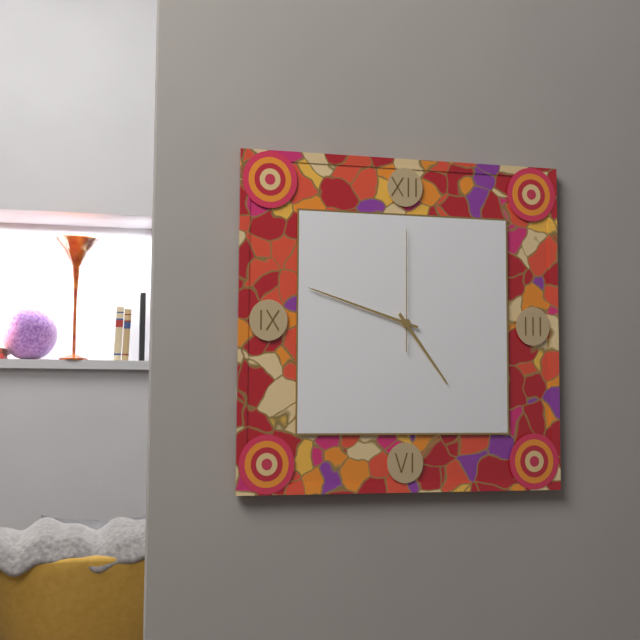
4:48:00
